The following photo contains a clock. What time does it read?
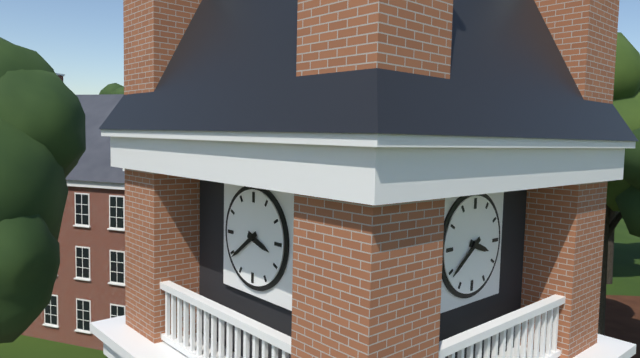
3:39
